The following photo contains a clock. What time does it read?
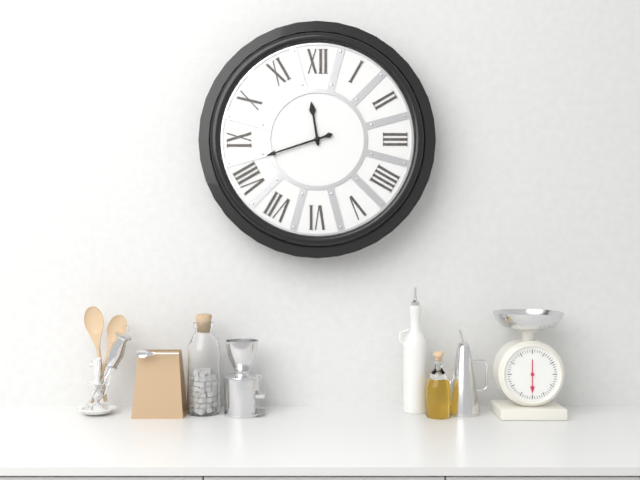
11:42
